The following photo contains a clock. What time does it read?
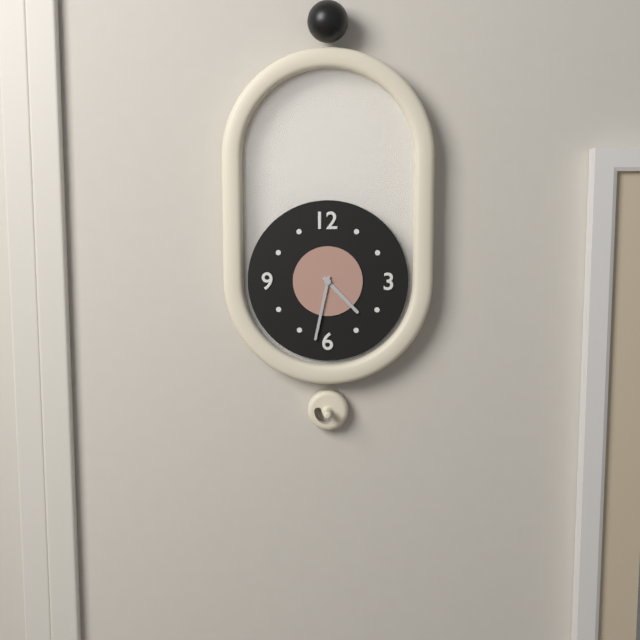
4:32
